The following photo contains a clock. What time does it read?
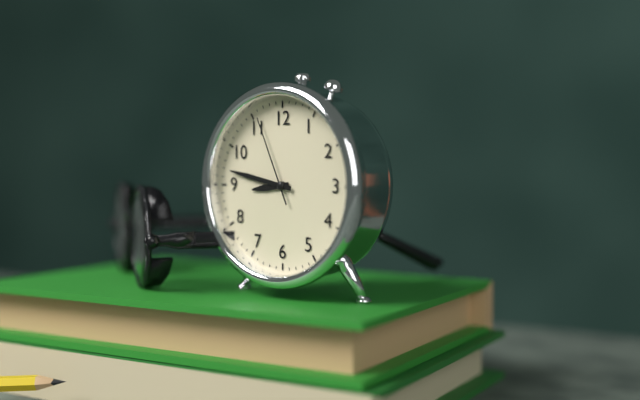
8:47:56
